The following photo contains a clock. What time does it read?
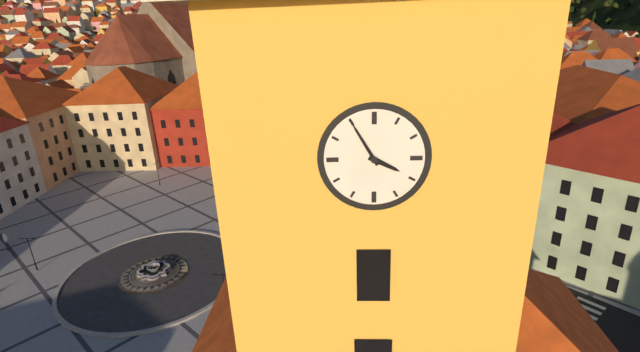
3:55
